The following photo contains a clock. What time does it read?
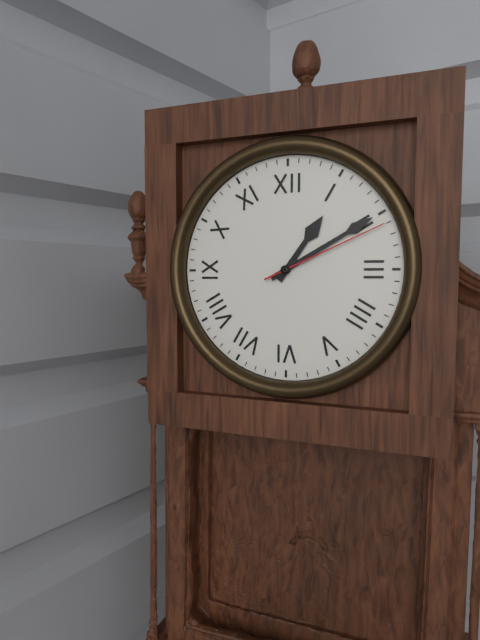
1:10:11
